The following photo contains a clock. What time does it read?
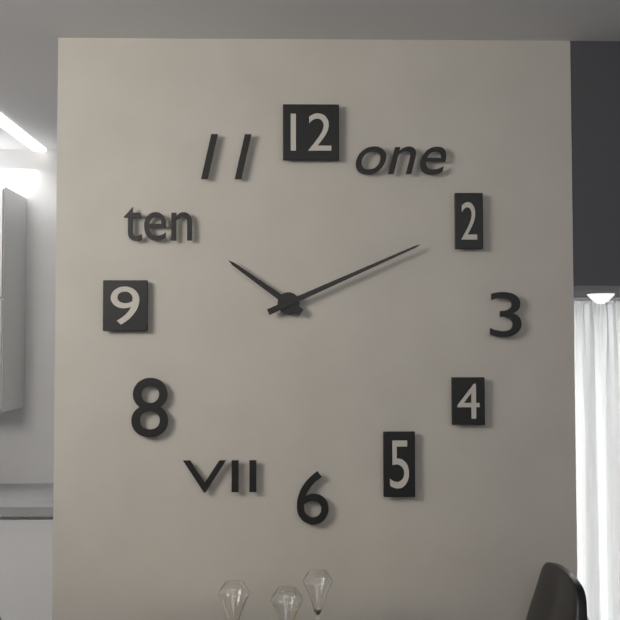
10:11
